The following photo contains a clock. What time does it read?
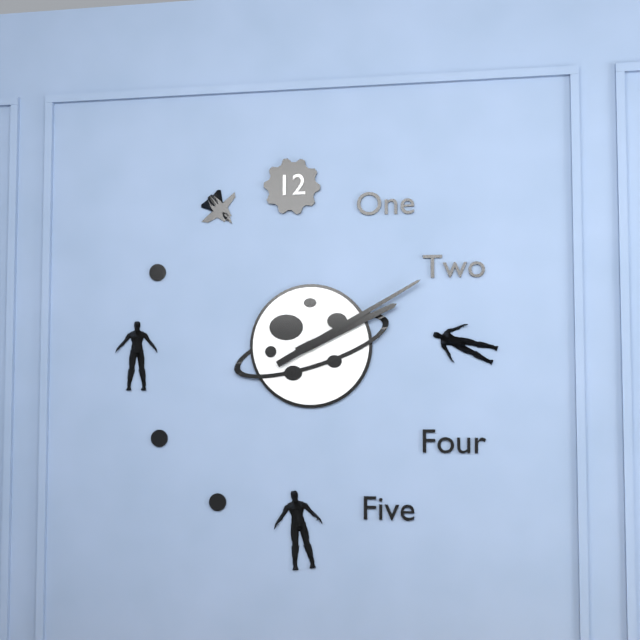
2:10
